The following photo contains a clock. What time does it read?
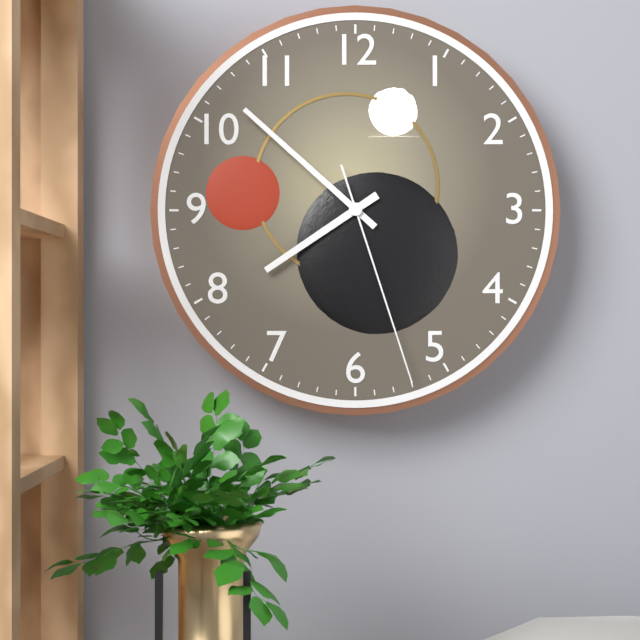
7:52:27
